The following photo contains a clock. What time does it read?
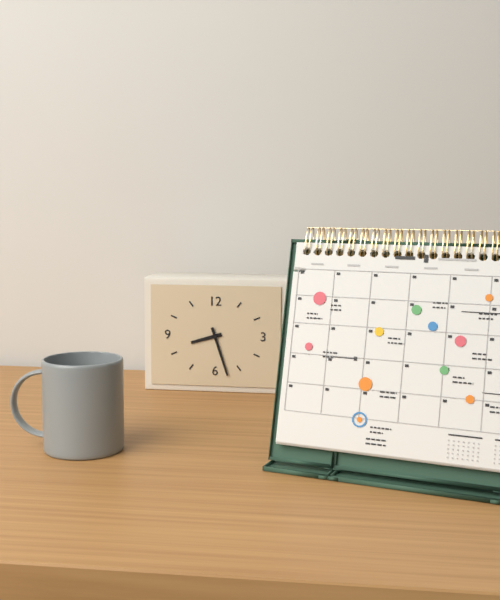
8:27
